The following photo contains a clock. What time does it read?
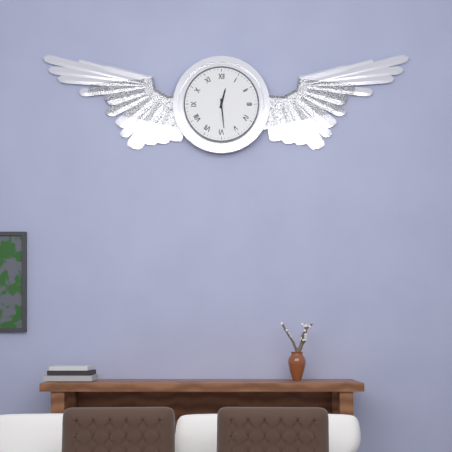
12:29
